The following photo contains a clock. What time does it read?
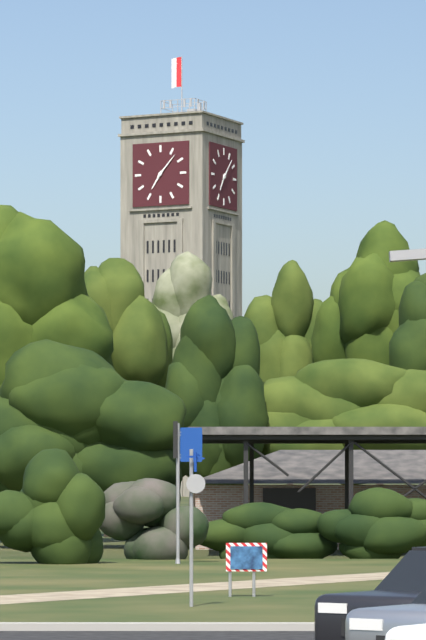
7:07
